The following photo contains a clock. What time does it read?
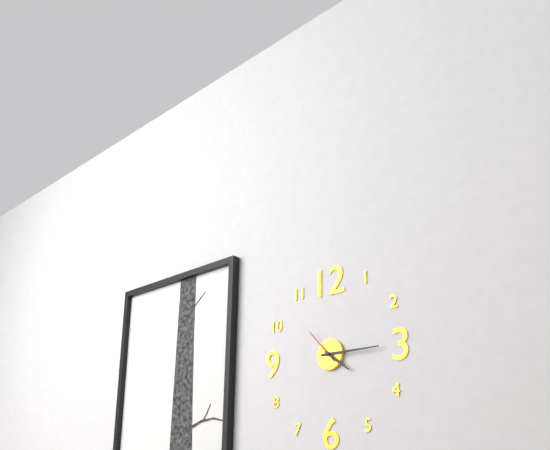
4:15
